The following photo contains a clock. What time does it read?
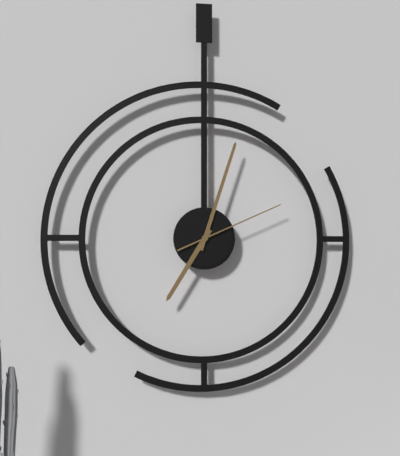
7:03:11
